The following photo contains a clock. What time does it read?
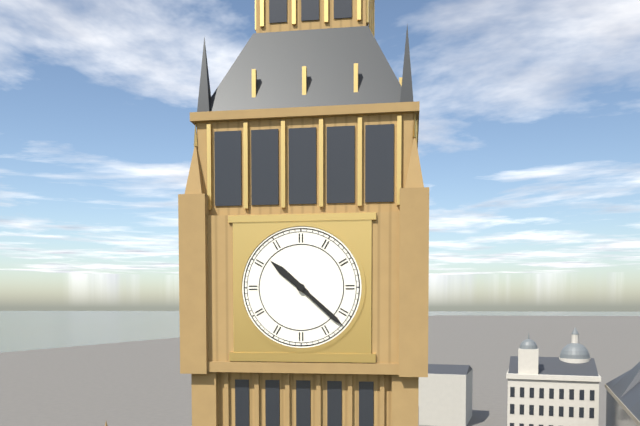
10:22
